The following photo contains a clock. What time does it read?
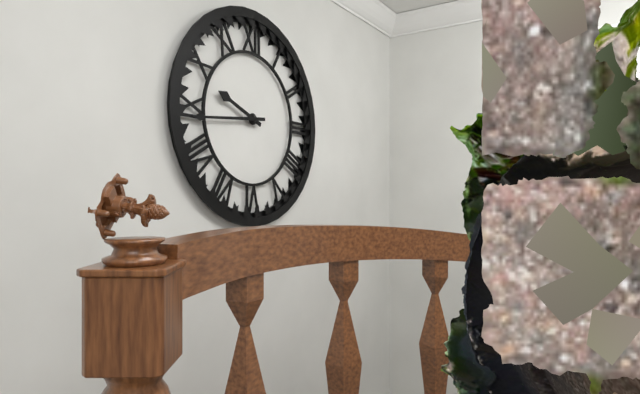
9:44
